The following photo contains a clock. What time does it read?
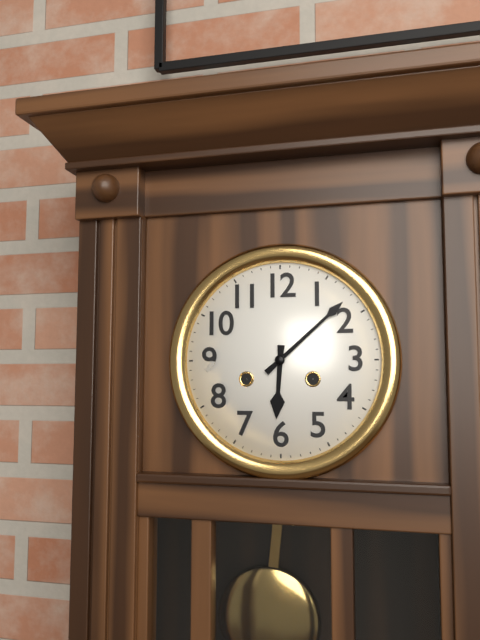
6:08
